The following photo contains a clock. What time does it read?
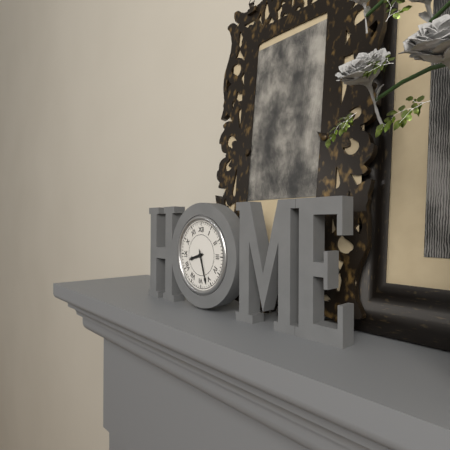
8:27
